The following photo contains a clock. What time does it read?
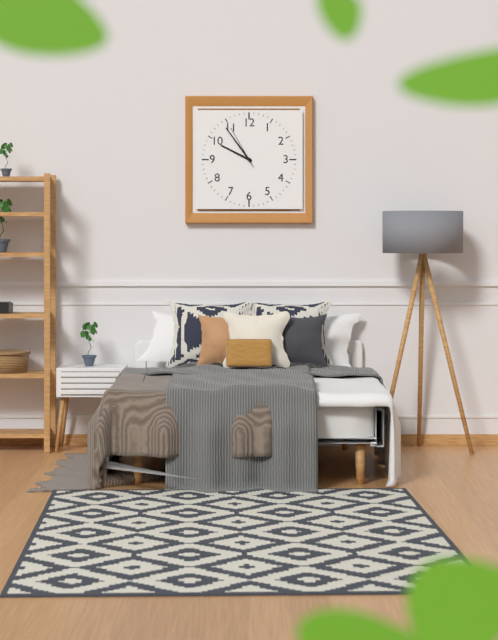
9:54
